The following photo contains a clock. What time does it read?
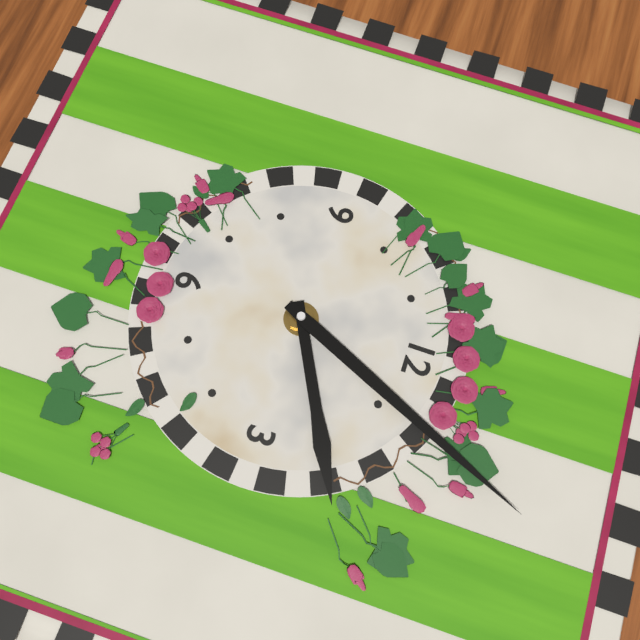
2:04
